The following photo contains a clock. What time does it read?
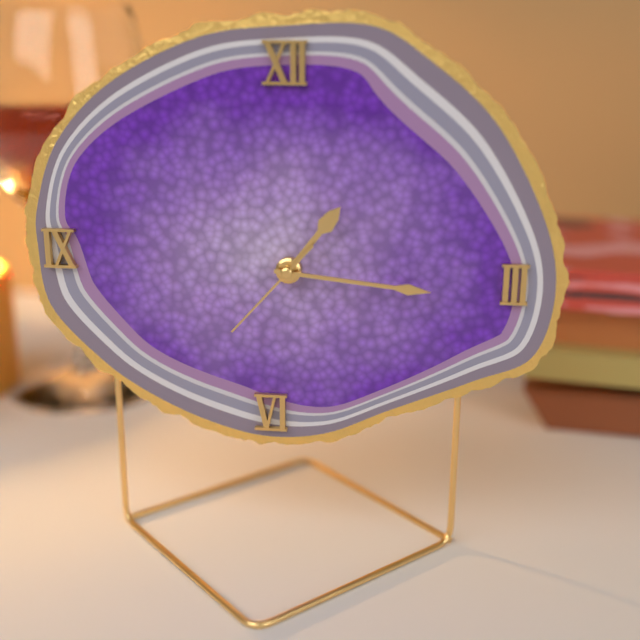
1:16:37
